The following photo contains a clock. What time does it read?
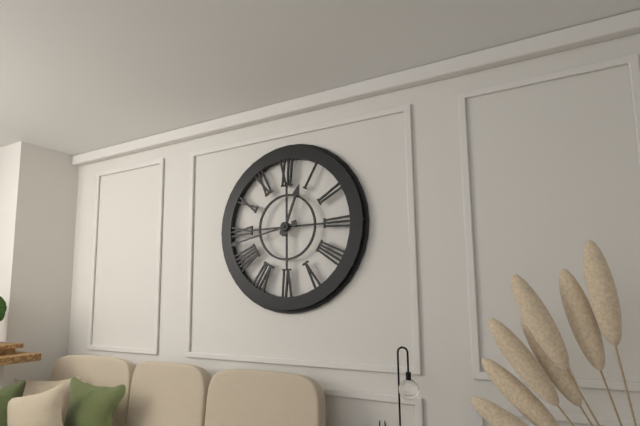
12:43
